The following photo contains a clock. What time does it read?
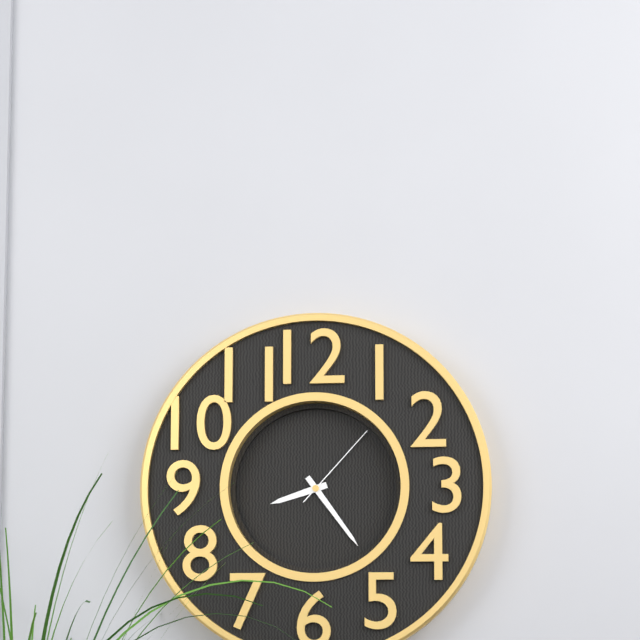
8:24:07
